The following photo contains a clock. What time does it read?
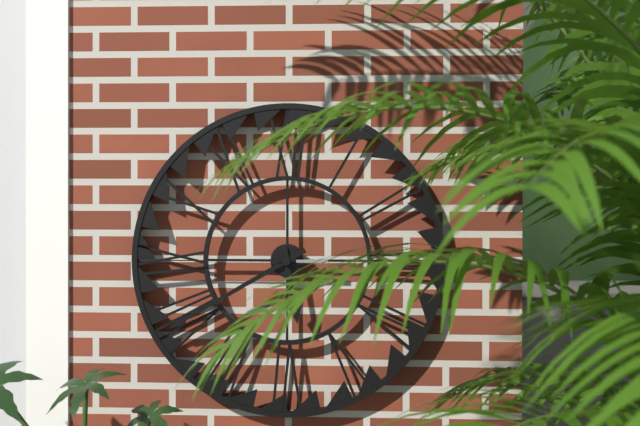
5:40:45
